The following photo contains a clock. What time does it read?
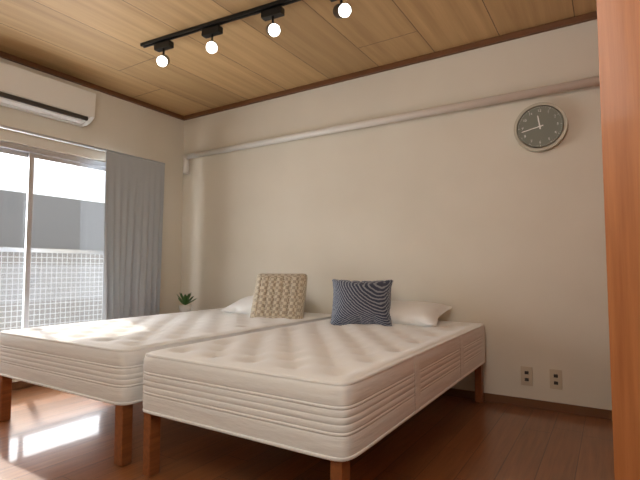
11:43
